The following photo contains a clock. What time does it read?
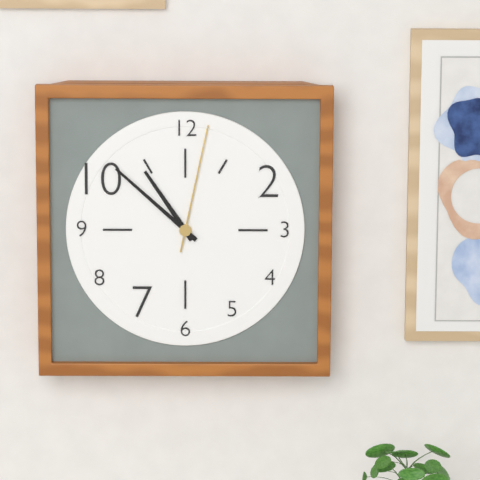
10:52:02
